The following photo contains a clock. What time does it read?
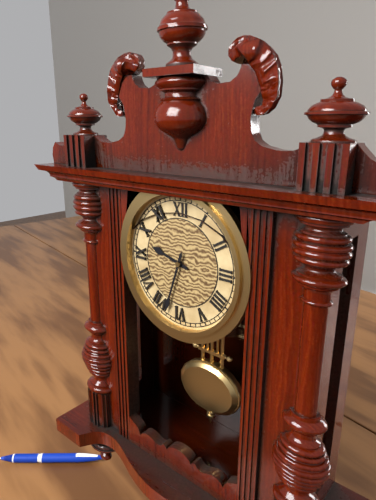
9:33
